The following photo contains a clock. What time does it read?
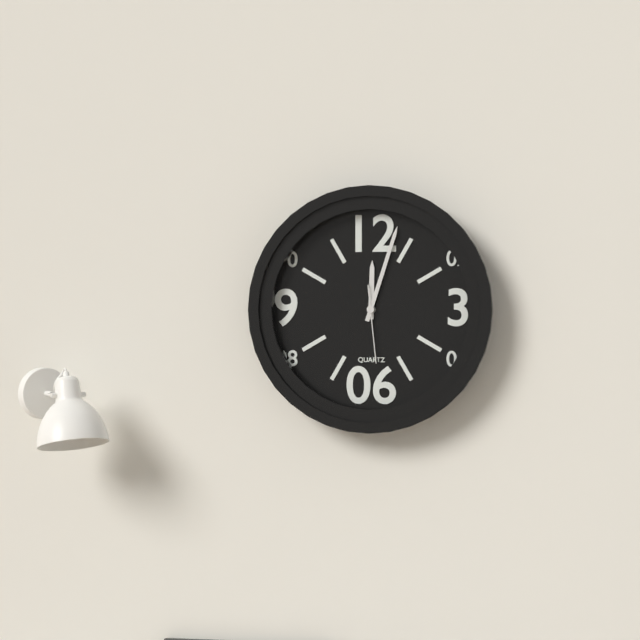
12:03:29
